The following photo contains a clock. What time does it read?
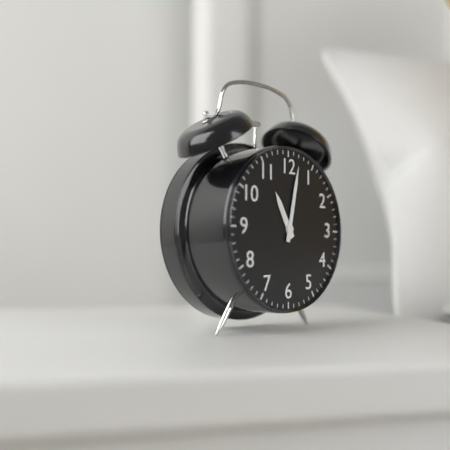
11:02
